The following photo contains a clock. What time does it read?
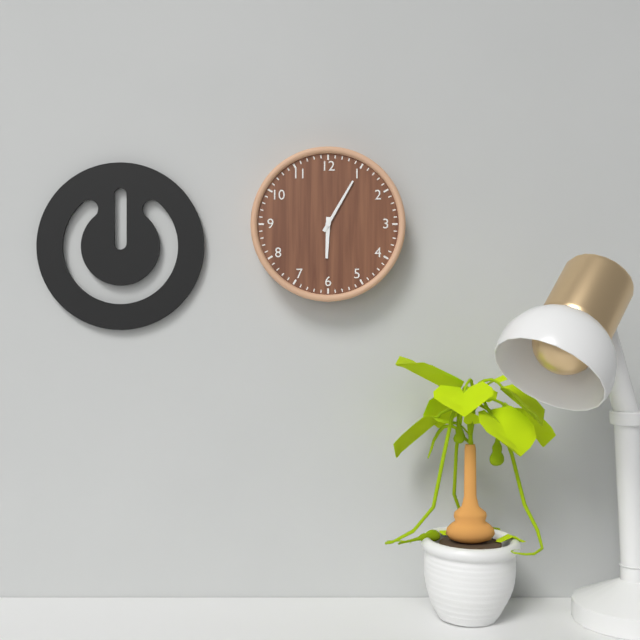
6:05
